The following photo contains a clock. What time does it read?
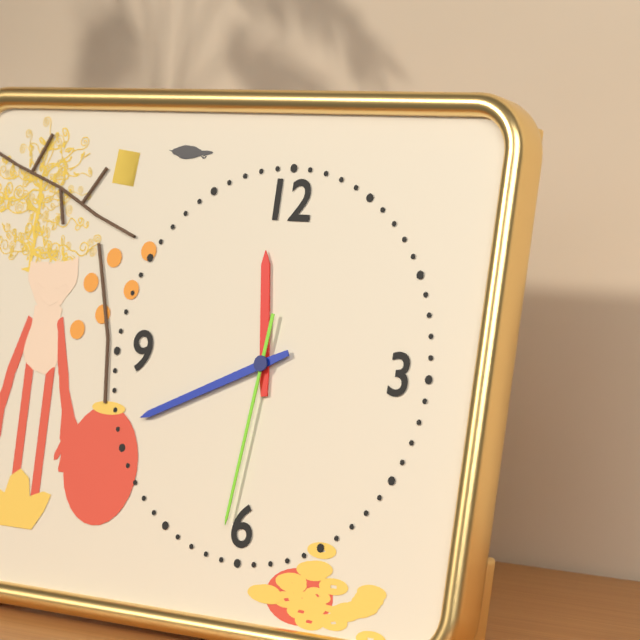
11:41:31
